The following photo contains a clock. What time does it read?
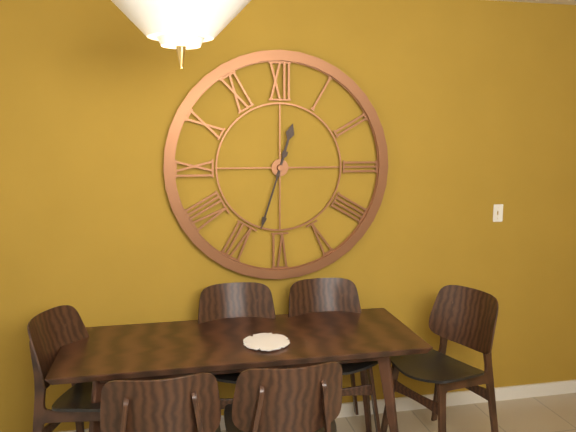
12:33
